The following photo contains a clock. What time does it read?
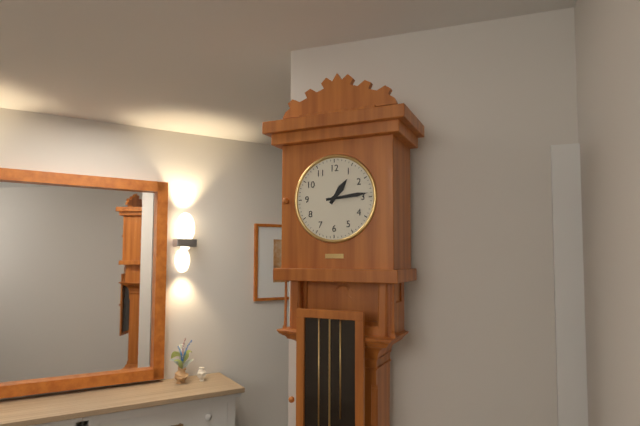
1:14
